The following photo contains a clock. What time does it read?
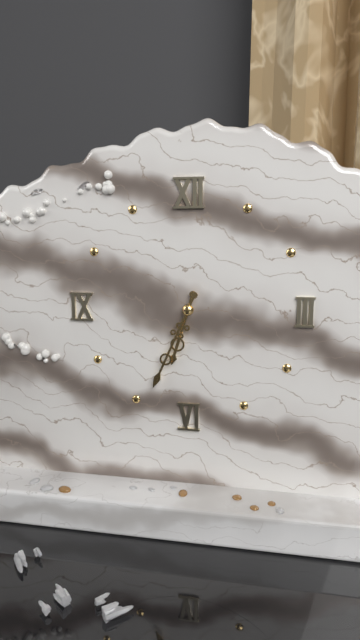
6:34
